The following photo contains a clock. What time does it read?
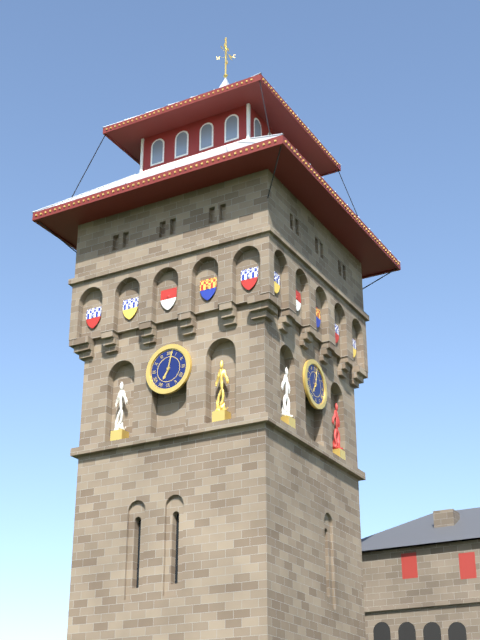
7:02
